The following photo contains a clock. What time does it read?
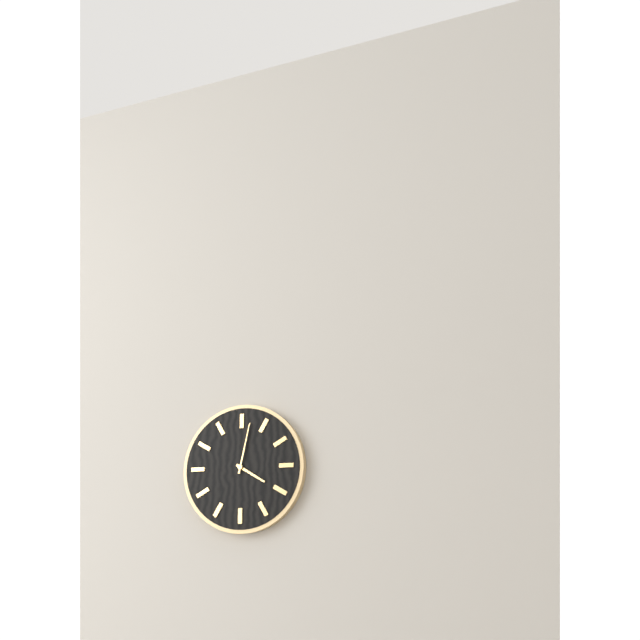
4:02
